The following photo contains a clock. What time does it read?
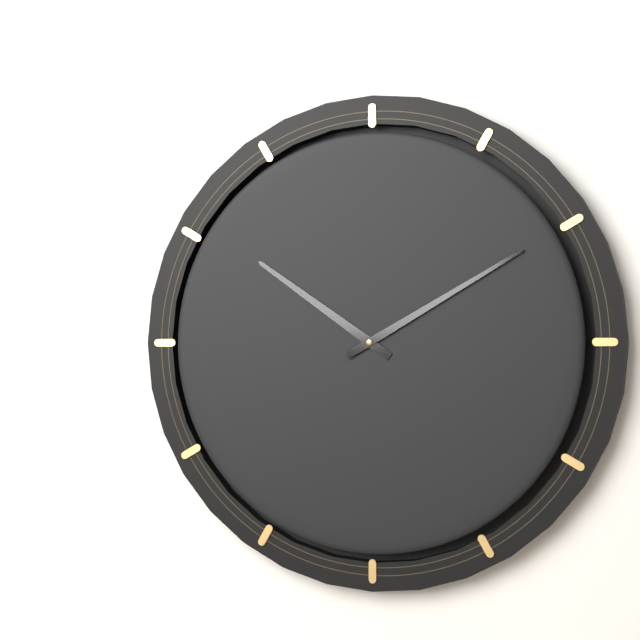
10:10
